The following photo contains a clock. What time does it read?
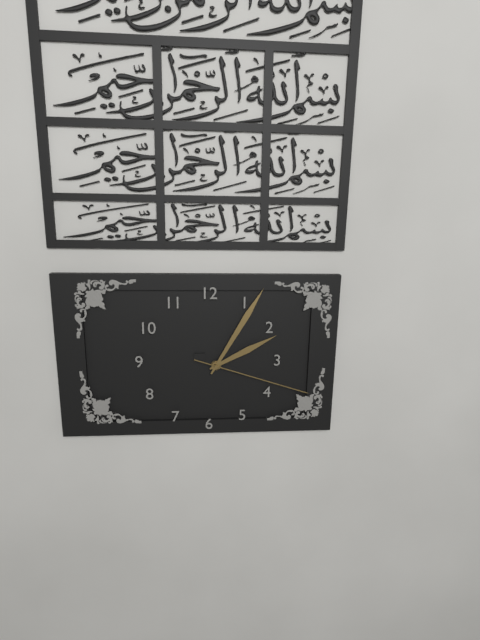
2:05:18
